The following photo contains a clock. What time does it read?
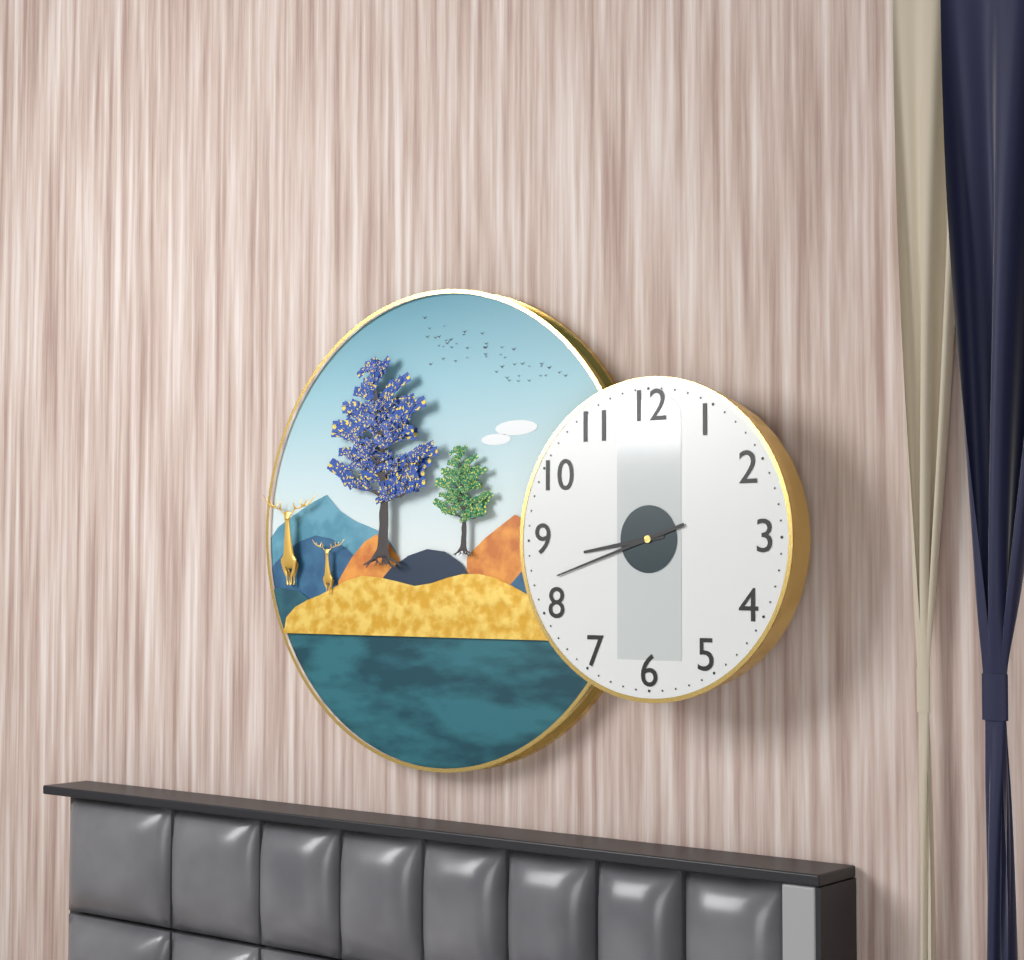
8:42
